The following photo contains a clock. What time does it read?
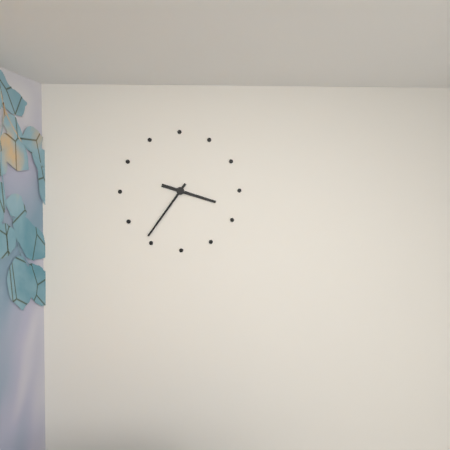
3:36
